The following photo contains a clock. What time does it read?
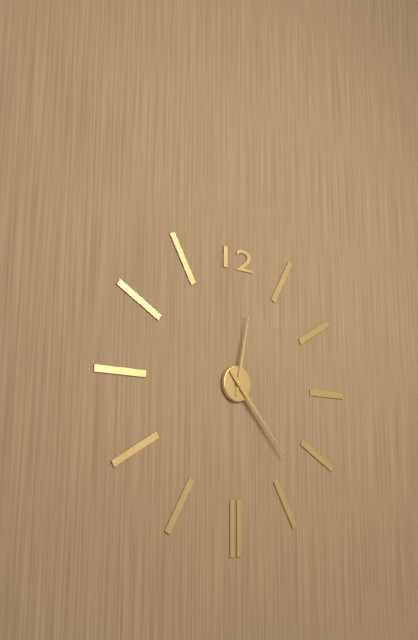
12:23
